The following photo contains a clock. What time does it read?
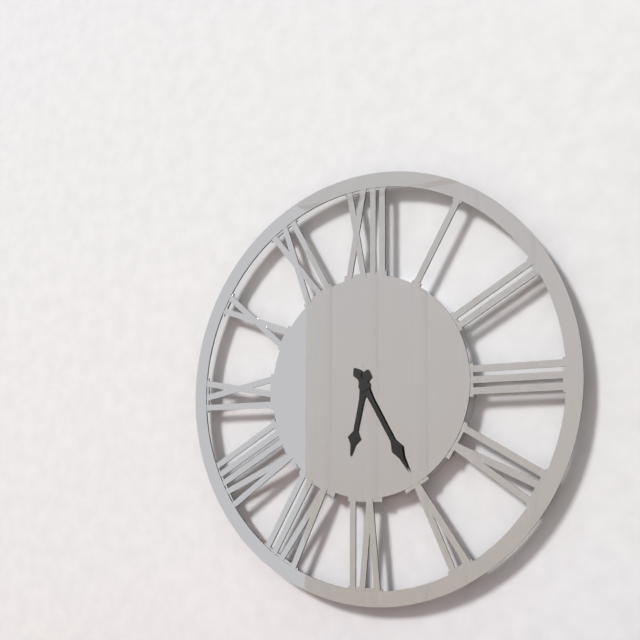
6:25
